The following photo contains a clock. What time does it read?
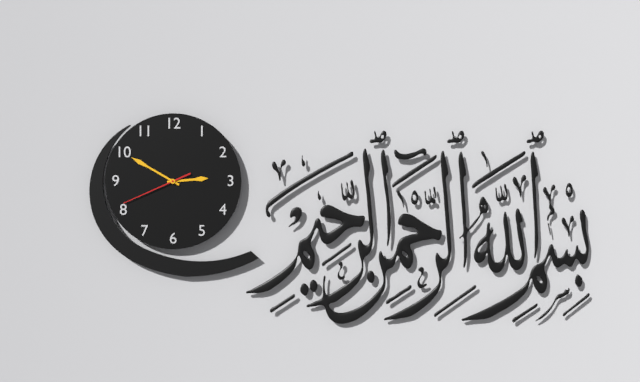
2:50:41
